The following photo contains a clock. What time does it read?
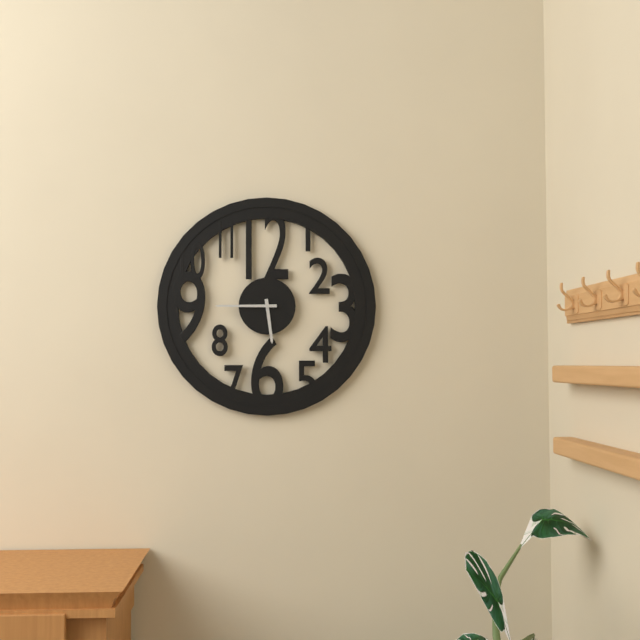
5:45
